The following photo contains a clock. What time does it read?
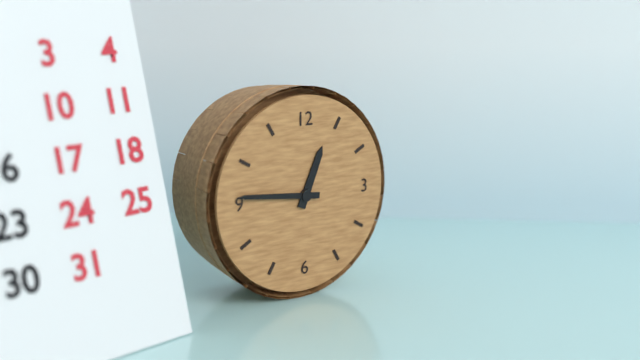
12:46
